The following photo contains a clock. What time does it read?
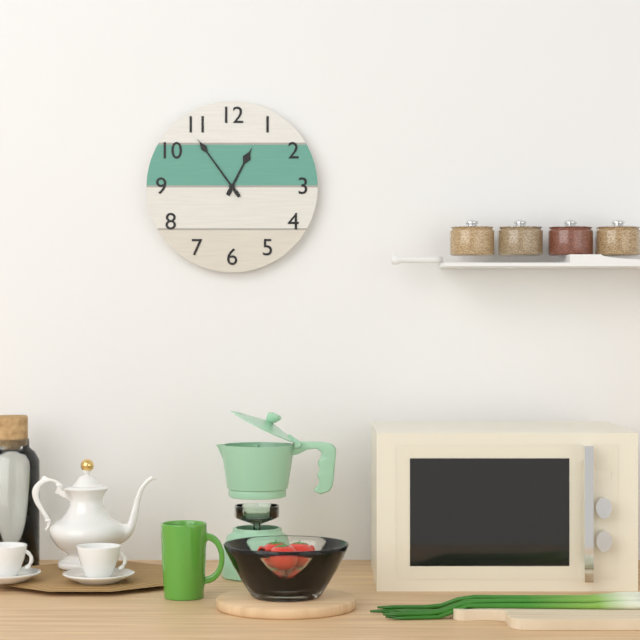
12:54
